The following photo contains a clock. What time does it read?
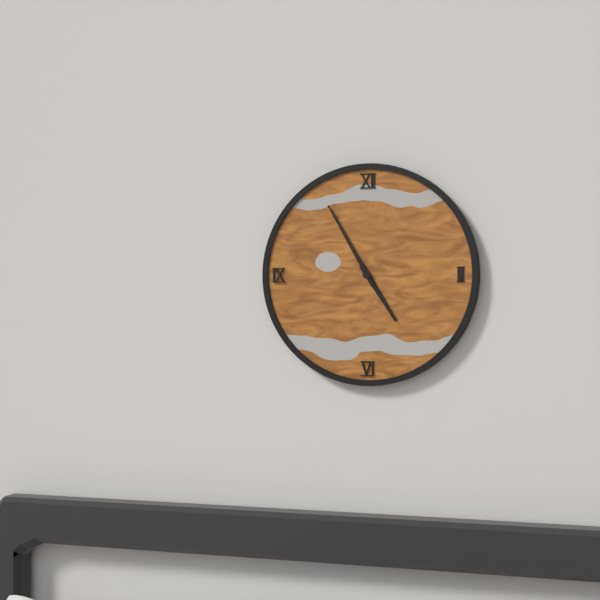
4:55
